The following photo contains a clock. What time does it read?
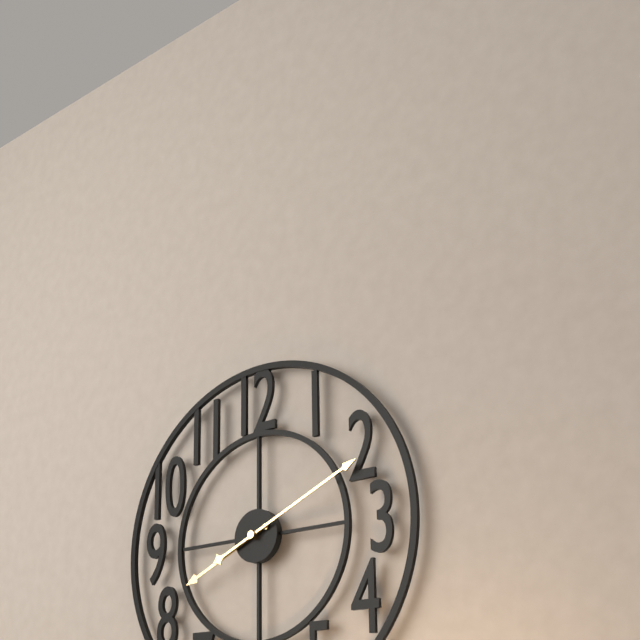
8:11
